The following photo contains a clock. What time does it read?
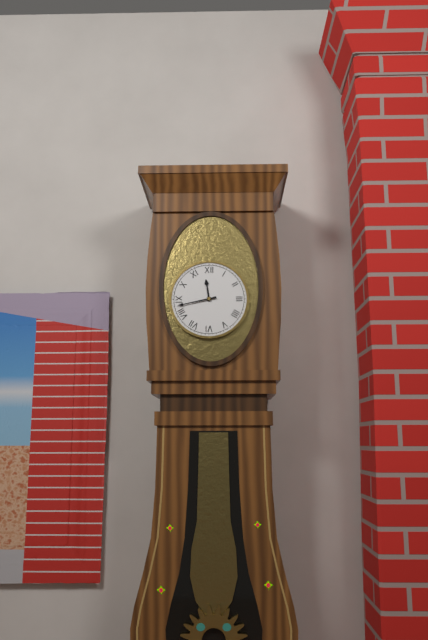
11:43
